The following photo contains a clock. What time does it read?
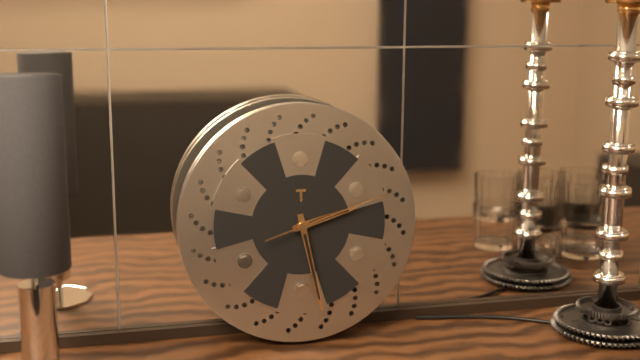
2:28:12
